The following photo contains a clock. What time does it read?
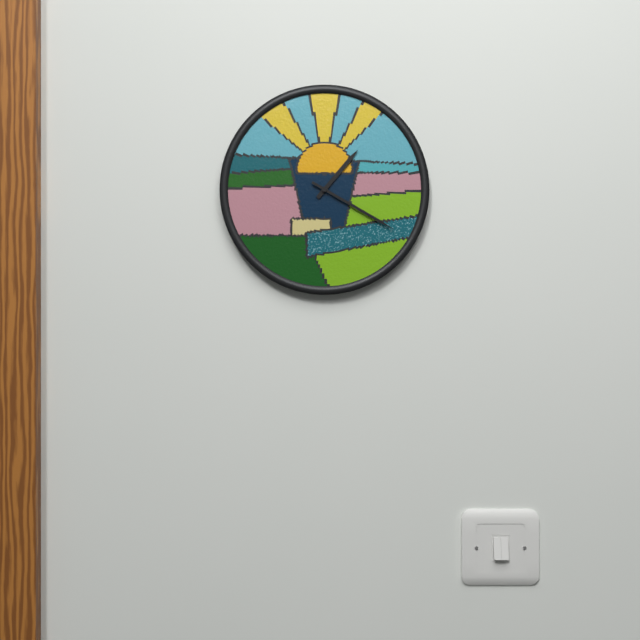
1:20
